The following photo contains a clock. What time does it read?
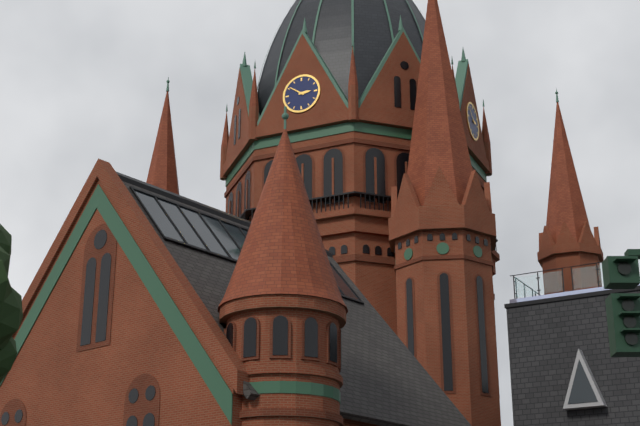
2:51
